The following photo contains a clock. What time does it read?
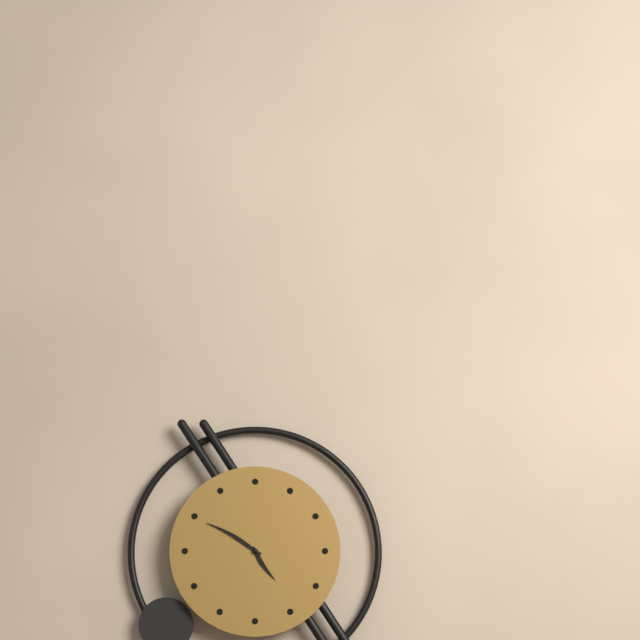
4:50
